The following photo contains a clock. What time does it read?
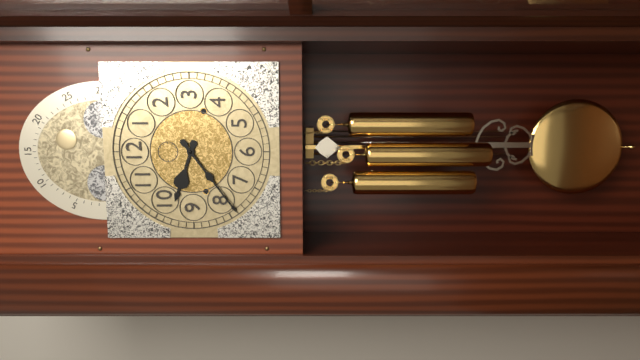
9:39
